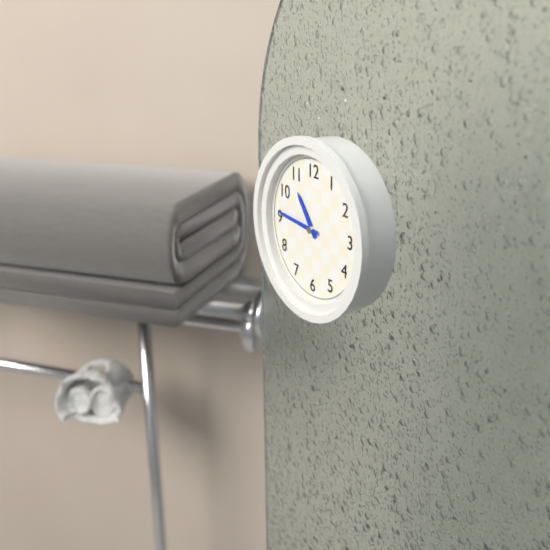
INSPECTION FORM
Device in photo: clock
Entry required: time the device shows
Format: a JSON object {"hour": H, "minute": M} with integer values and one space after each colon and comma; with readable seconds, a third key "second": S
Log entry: {"hour": 10, "minute": 46}
